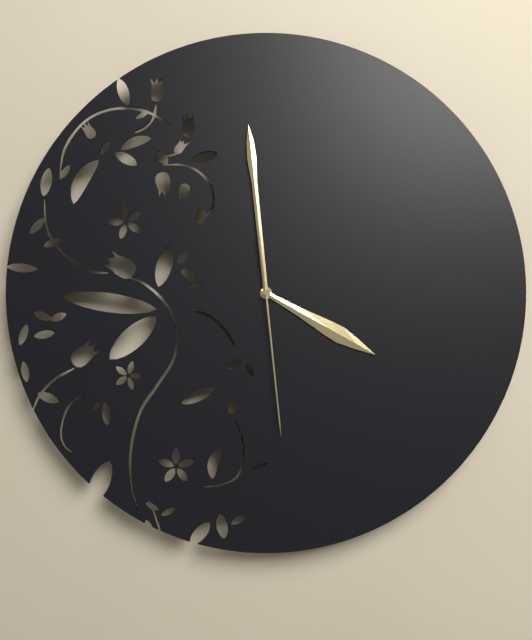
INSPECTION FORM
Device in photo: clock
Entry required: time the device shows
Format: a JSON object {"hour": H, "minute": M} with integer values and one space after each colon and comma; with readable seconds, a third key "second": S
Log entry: {"hour": 3, "minute": 59, "second": 29}
